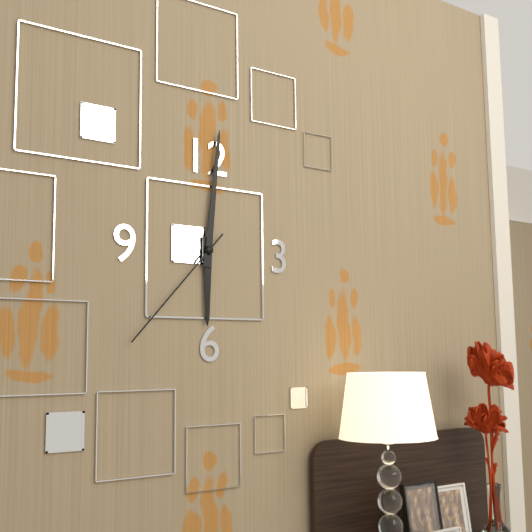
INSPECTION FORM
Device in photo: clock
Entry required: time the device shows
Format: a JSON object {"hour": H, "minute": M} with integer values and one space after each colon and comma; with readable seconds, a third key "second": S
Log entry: {"hour": 6, "minute": 1, "second": 37}
